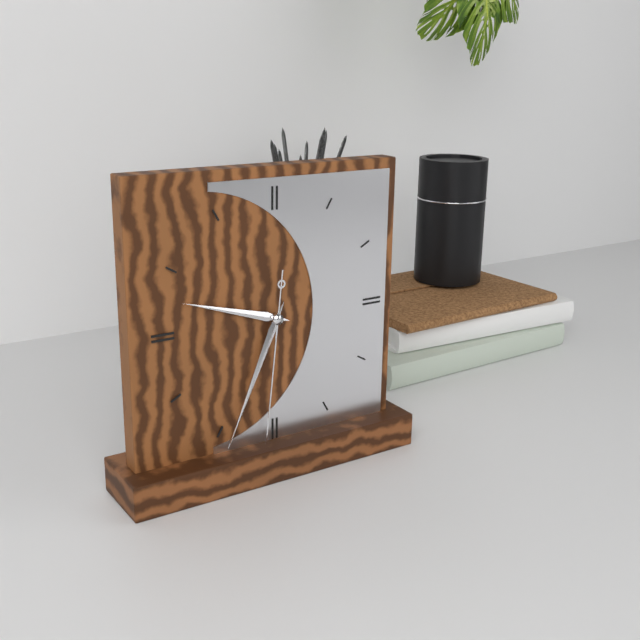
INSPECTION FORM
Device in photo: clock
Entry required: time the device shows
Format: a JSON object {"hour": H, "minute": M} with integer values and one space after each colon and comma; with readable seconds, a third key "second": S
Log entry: {"hour": 9, "minute": 34, "second": 31}
